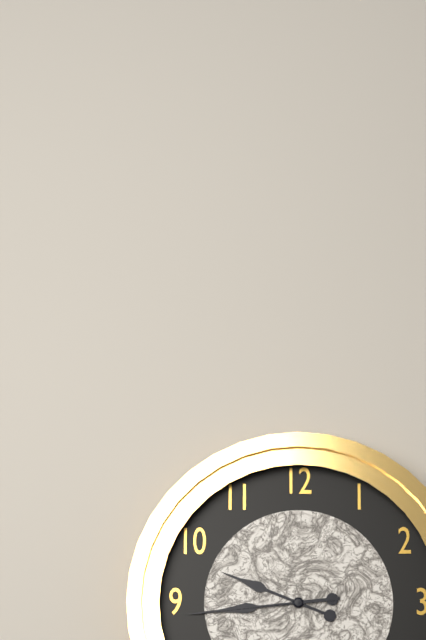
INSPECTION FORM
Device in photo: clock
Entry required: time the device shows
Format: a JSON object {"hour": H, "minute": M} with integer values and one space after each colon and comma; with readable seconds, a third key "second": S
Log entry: {"hour": 9, "minute": 44, "second": 44}
